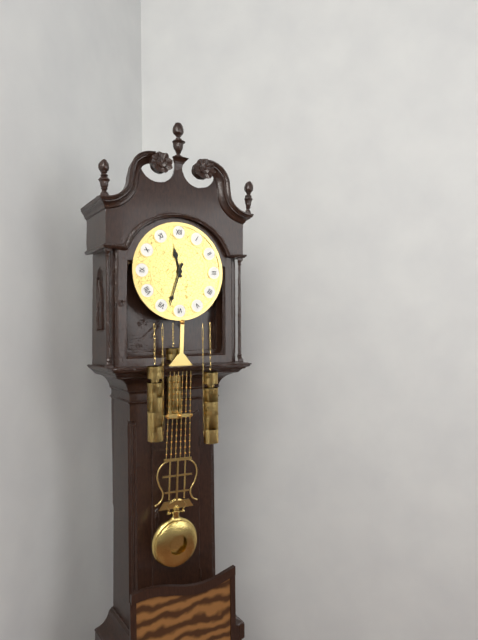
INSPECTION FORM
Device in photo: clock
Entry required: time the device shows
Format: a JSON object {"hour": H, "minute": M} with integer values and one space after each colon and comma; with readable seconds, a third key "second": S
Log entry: {"hour": 11, "minute": 33}
